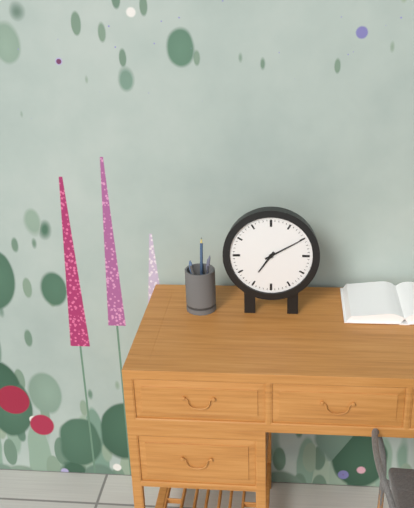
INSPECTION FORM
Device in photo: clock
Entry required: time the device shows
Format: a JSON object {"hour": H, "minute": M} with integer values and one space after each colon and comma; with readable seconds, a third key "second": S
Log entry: {"hour": 7, "minute": 10}
